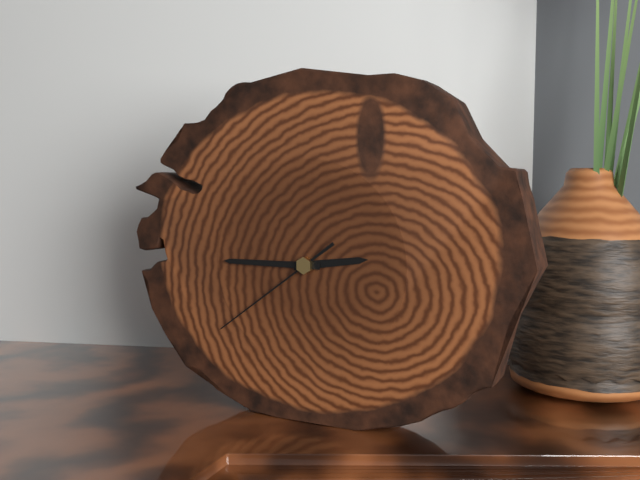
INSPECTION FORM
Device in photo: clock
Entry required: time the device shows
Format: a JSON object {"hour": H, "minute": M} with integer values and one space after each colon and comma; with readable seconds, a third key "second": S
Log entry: {"hour": 2, "minute": 45, "second": 39}
